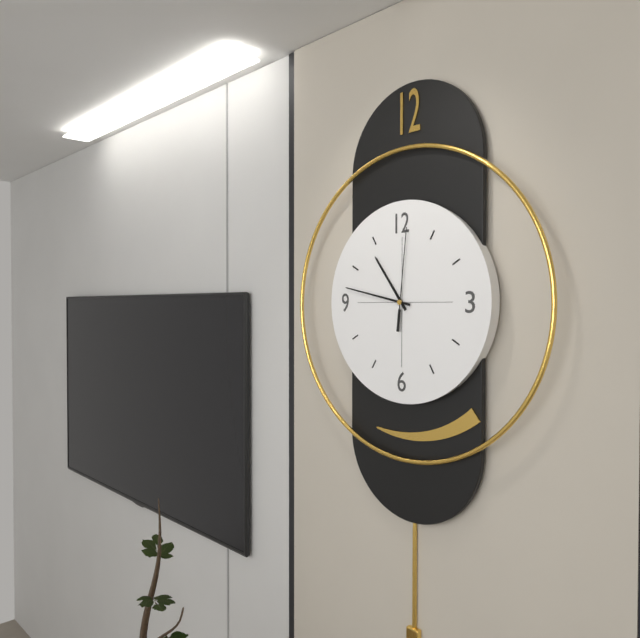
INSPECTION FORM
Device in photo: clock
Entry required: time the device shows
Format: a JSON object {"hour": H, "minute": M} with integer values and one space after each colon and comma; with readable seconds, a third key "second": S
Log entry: {"hour": 10, "minute": 47, "second": 1}
